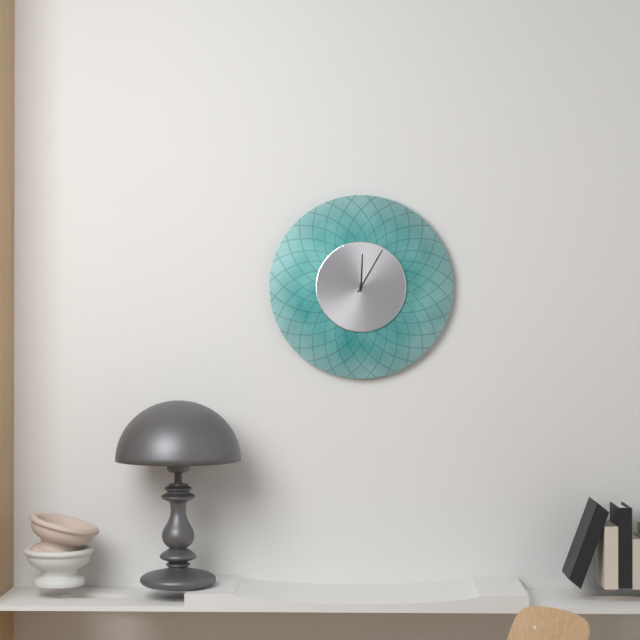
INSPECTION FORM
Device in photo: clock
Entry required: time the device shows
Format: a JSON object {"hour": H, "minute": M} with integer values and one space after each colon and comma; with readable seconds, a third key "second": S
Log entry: {"hour": 12, "minute": 5}
